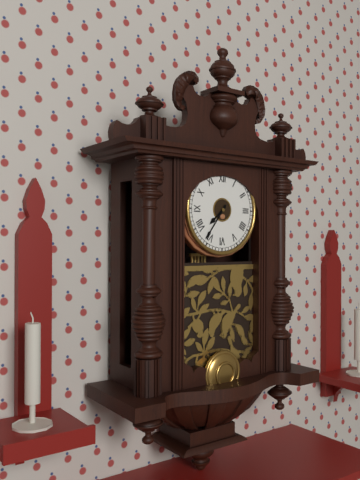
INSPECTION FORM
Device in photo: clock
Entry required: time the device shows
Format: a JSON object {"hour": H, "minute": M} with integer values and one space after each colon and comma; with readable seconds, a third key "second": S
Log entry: {"hour": 7, "minute": 36}
